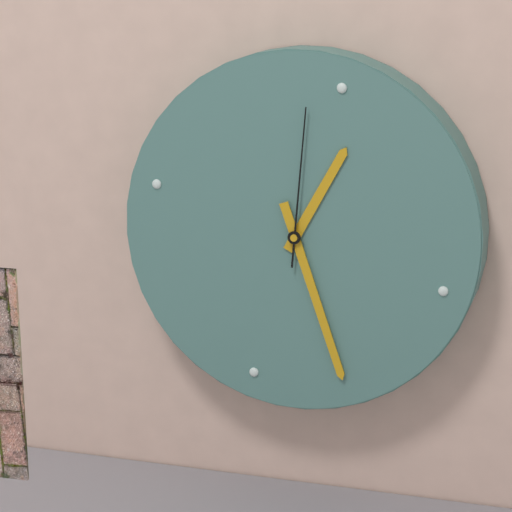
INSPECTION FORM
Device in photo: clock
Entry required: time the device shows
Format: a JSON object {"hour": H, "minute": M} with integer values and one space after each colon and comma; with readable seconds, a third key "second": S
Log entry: {"hour": 12, "minute": 24, "second": 58}
